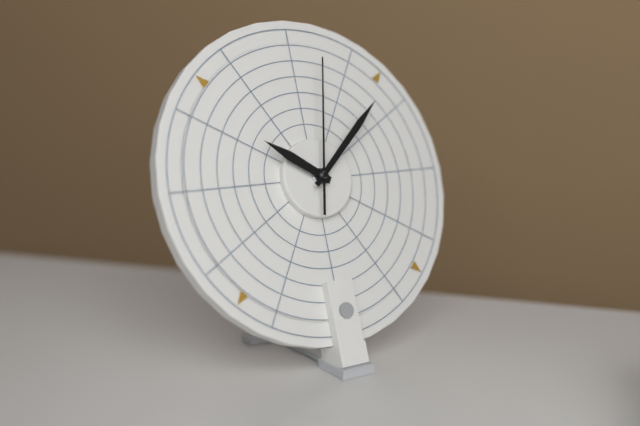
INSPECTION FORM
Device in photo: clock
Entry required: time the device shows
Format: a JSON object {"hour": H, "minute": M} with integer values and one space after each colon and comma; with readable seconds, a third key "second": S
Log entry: {"hour": 10, "minute": 8, "second": 2}
